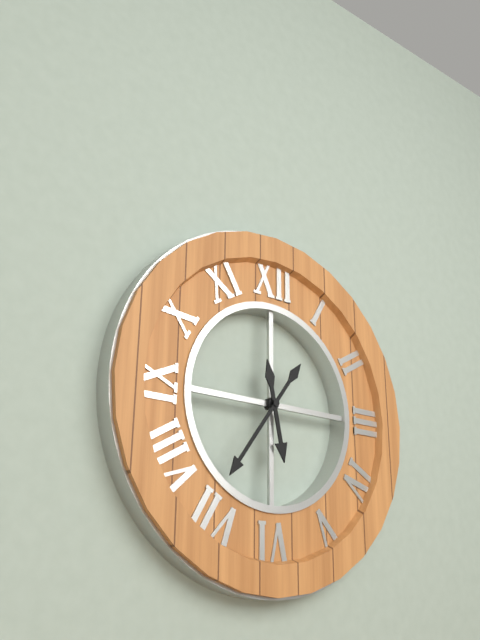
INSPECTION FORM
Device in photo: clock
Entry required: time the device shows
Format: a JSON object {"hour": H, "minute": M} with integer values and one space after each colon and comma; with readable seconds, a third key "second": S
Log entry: {"hour": 5, "minute": 36}
